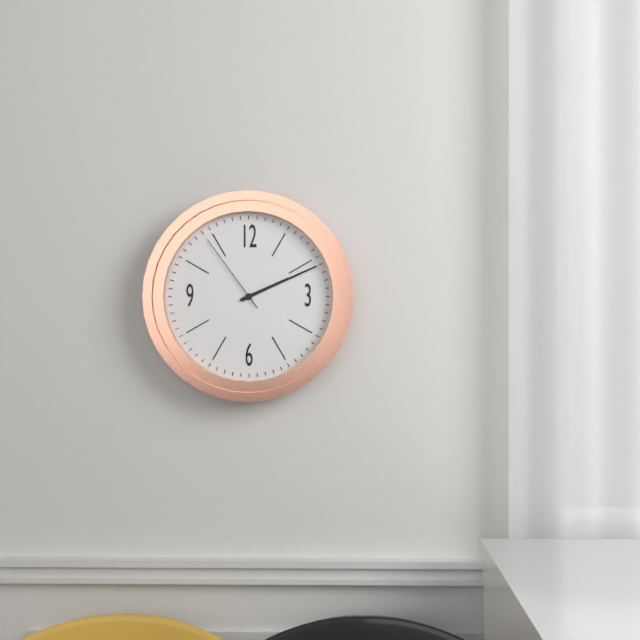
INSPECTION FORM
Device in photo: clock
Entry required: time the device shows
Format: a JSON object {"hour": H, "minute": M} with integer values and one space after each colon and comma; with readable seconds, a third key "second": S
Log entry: {"hour": 2, "minute": 11, "second": 54}
